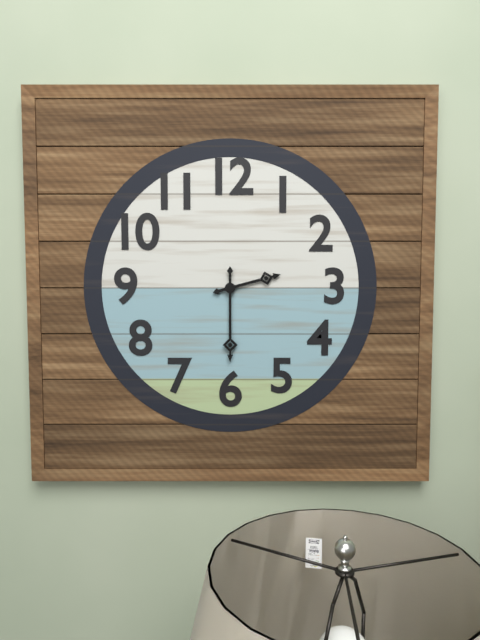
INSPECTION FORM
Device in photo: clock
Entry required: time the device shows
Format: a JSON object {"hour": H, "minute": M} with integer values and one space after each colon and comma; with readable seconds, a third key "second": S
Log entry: {"hour": 2, "minute": 30}
